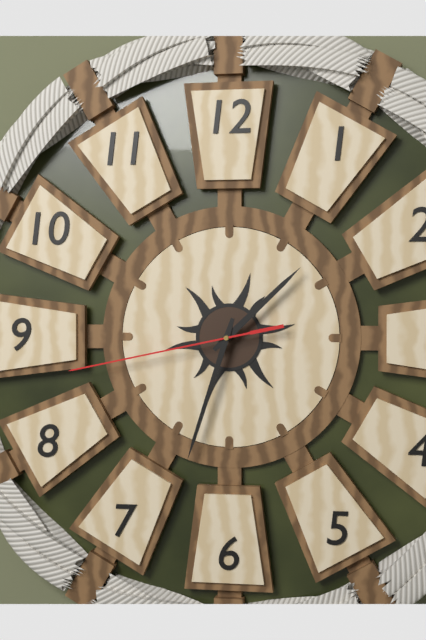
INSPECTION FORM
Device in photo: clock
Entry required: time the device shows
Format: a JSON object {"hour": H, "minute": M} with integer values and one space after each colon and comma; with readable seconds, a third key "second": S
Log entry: {"hour": 1, "minute": 33, "second": 43}
